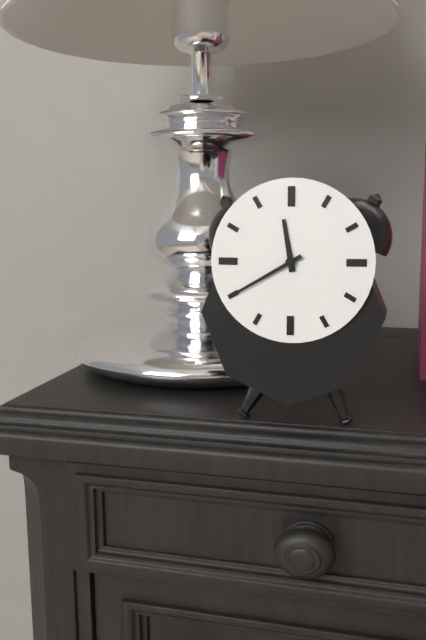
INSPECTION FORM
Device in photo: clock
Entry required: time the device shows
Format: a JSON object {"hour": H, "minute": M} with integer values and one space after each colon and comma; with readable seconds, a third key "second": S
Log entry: {"hour": 11, "minute": 40}
